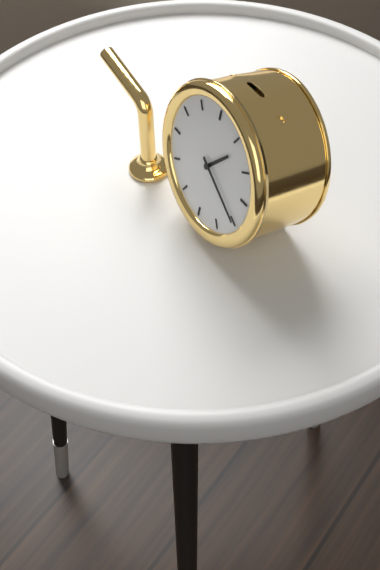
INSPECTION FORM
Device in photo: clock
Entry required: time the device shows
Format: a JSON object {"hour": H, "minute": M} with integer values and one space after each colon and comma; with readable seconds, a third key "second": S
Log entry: {"hour": 1, "minute": 20}
